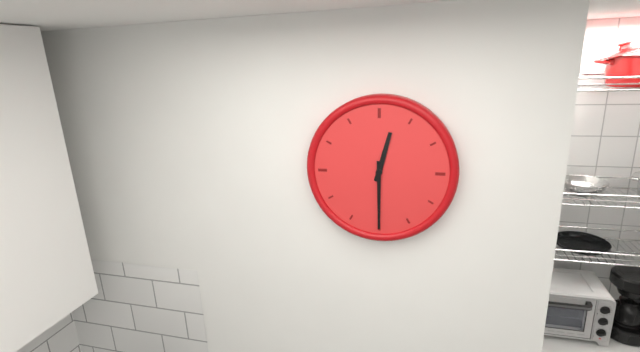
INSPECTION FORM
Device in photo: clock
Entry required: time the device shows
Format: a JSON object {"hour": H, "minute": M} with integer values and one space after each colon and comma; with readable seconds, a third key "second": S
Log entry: {"hour": 12, "minute": 30}
